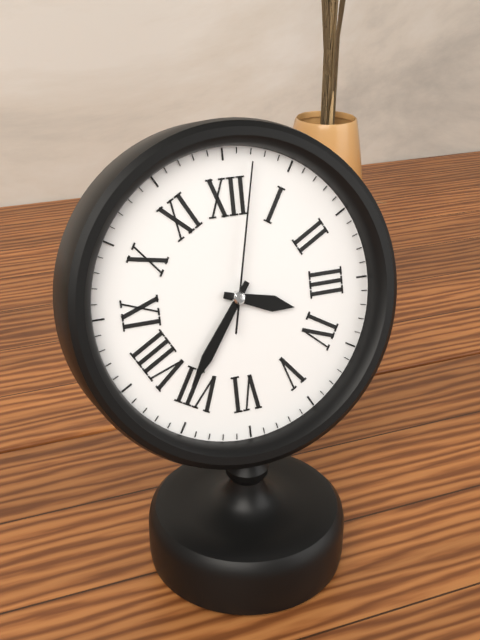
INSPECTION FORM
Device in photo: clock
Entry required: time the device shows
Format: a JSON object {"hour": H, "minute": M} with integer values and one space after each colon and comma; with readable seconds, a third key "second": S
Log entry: {"hour": 3, "minute": 36, "second": 2}
